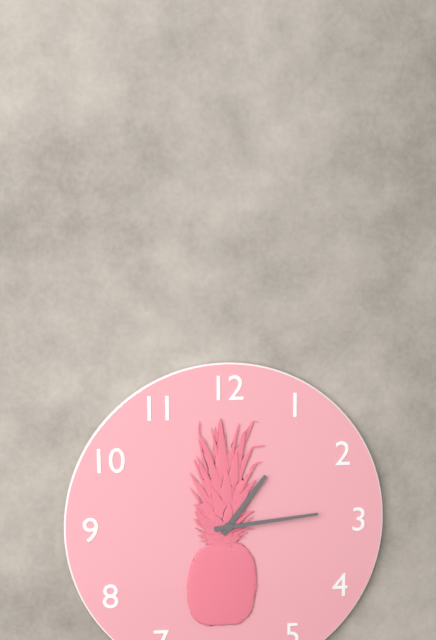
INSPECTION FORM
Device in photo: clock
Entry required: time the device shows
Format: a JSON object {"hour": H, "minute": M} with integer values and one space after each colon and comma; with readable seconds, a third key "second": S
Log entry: {"hour": 1, "minute": 14}
